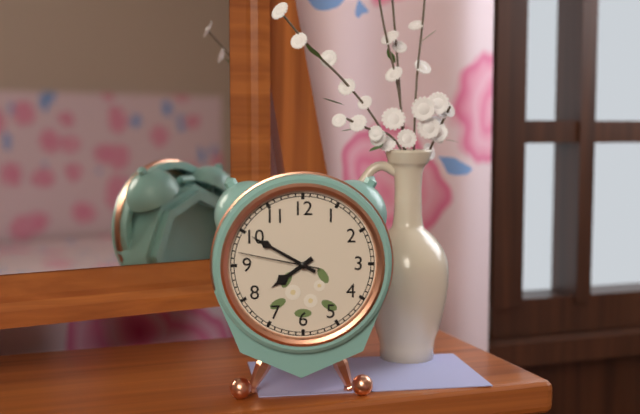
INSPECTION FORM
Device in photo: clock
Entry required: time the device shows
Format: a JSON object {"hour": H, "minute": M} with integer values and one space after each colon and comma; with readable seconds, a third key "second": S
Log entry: {"hour": 7, "minute": 50, "second": 47}
